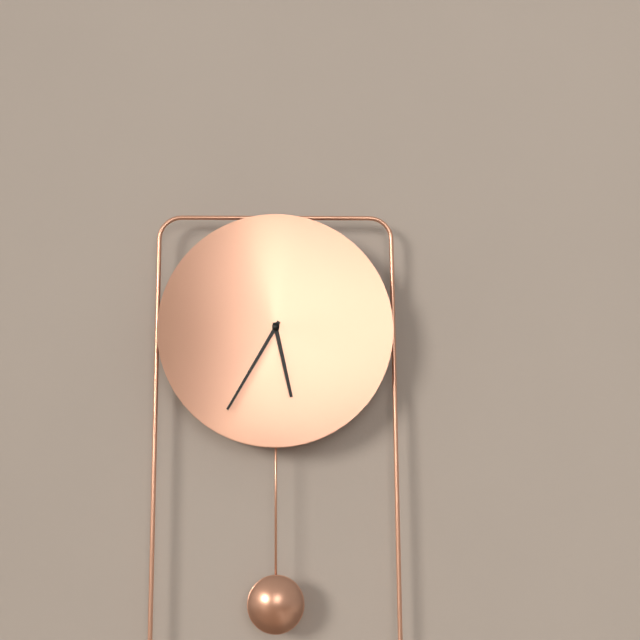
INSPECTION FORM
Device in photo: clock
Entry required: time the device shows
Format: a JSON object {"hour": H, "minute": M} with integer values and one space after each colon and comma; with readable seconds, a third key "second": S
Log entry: {"hour": 5, "minute": 35}
